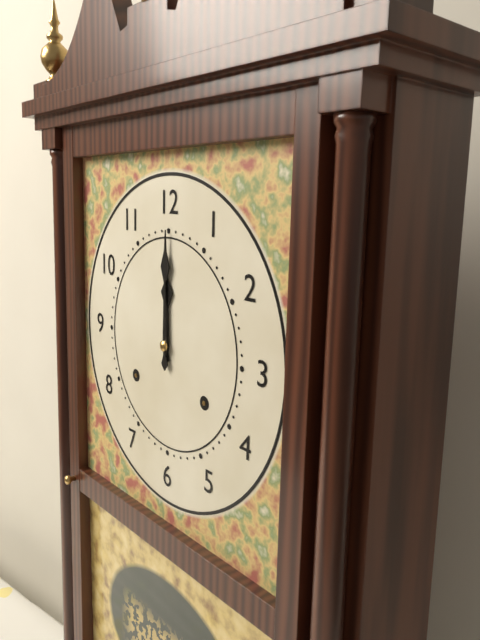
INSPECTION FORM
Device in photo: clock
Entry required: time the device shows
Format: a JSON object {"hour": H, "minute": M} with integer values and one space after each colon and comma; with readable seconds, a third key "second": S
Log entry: {"hour": 12, "minute": 0}
